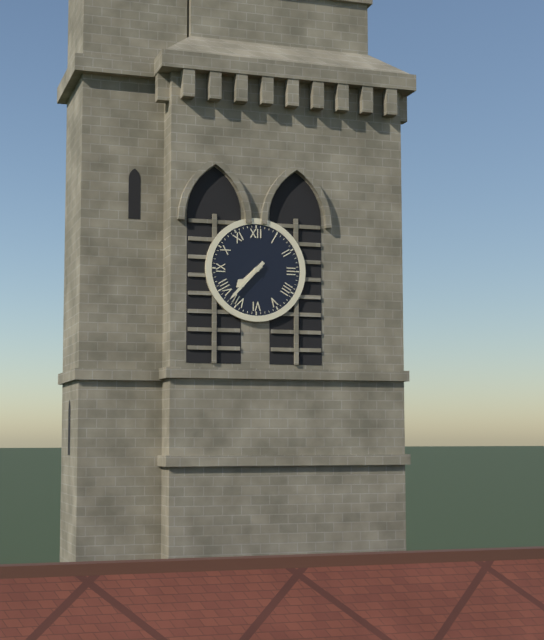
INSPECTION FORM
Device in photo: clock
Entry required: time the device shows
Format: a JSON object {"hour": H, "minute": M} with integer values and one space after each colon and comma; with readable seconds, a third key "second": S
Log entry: {"hour": 7, "minute": 37}
